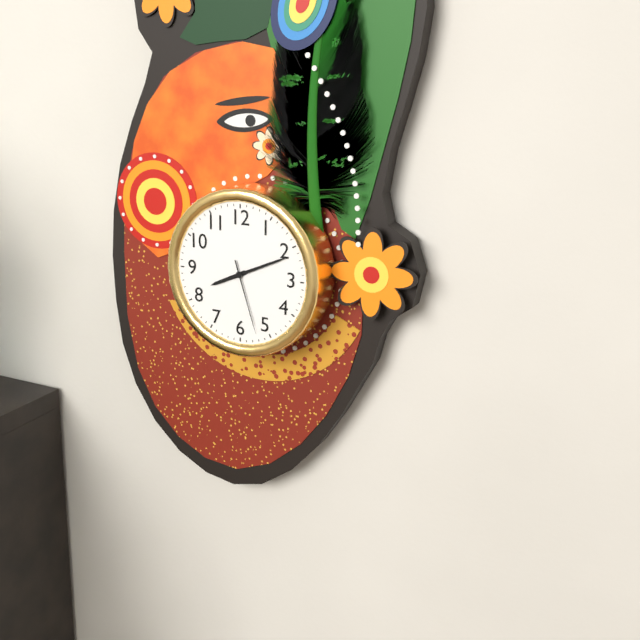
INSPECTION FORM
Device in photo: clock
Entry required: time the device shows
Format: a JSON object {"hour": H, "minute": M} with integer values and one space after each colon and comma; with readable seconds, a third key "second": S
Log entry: {"hour": 8, "minute": 11, "second": 27}
